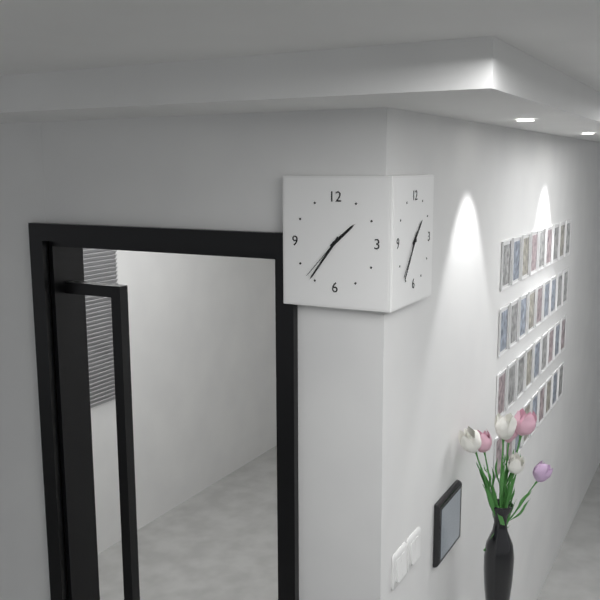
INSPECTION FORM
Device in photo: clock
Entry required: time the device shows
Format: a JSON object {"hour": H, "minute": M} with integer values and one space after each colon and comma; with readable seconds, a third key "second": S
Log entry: {"hour": 1, "minute": 36, "second": 37}
